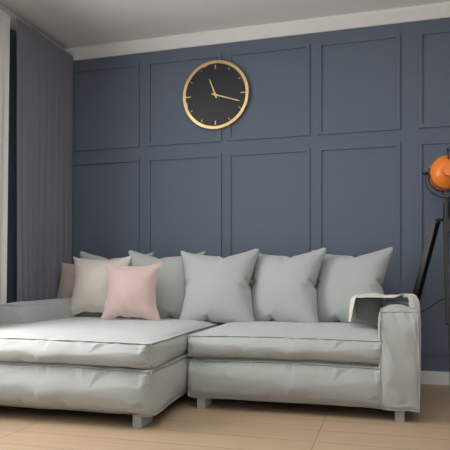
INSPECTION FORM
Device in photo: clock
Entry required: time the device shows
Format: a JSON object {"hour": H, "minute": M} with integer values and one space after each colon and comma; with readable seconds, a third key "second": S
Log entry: {"hour": 11, "minute": 18}
